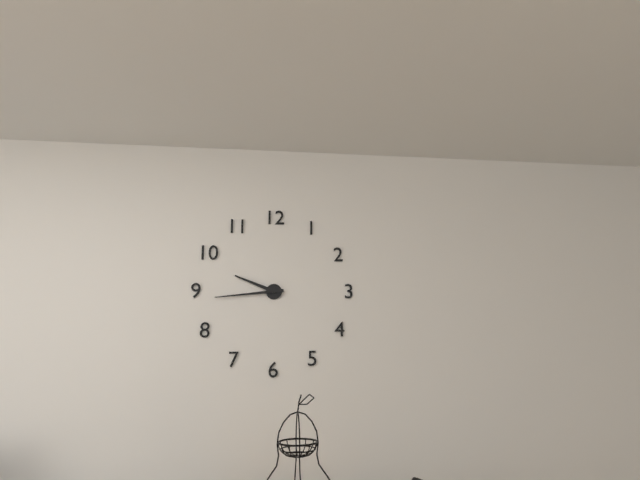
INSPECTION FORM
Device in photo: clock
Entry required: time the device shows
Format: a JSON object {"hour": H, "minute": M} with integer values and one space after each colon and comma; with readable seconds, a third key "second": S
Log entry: {"hour": 9, "minute": 44}
